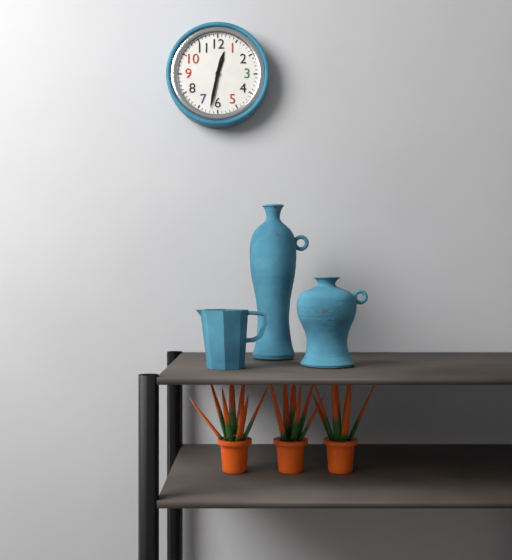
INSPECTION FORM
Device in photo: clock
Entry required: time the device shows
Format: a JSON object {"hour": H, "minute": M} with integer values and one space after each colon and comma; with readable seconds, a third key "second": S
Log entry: {"hour": 12, "minute": 32}
